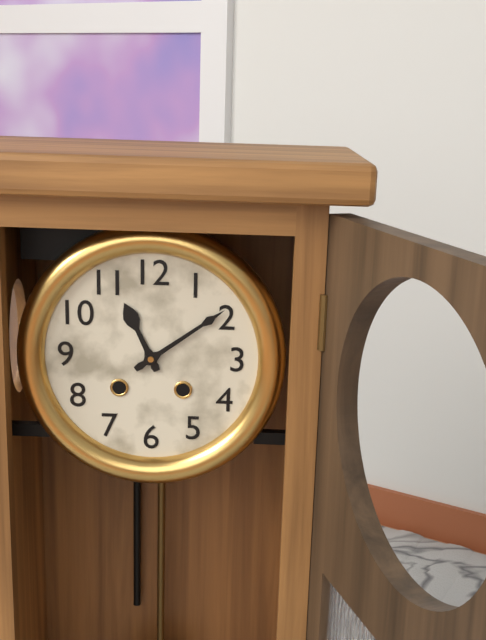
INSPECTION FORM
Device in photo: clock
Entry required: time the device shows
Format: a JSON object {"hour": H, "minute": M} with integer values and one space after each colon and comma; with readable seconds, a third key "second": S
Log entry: {"hour": 11, "minute": 9}
